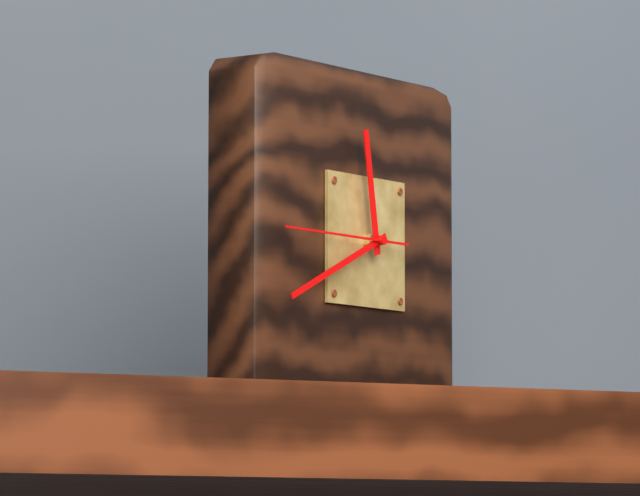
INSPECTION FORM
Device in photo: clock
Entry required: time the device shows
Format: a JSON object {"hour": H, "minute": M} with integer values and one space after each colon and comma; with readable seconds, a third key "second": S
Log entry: {"hour": 11, "minute": 41, "second": 45}
